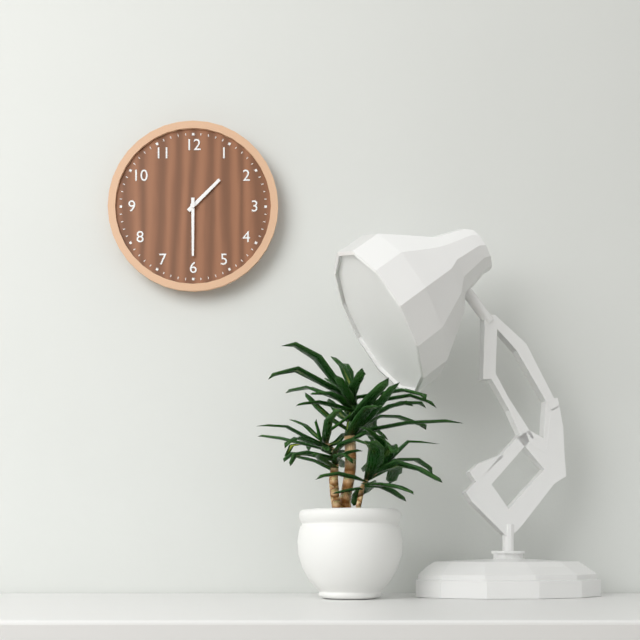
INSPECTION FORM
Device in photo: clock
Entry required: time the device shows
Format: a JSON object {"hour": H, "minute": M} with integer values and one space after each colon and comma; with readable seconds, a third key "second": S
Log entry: {"hour": 1, "minute": 30}
